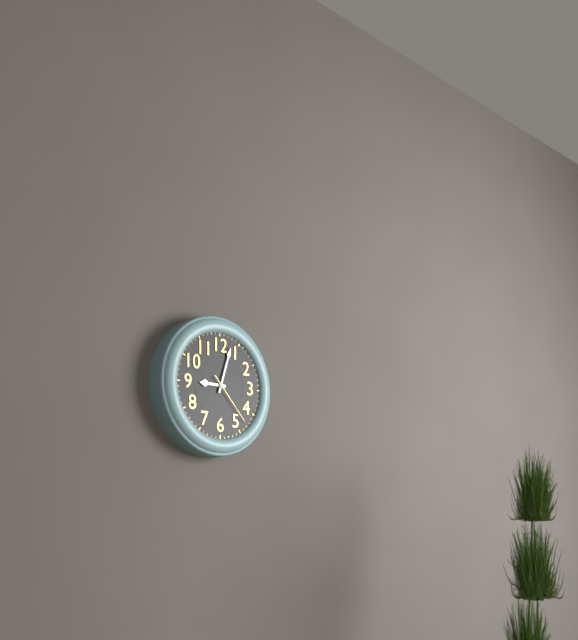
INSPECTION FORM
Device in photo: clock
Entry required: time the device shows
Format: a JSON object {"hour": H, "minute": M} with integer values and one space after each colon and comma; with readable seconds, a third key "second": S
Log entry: {"hour": 9, "minute": 3, "second": 23}
